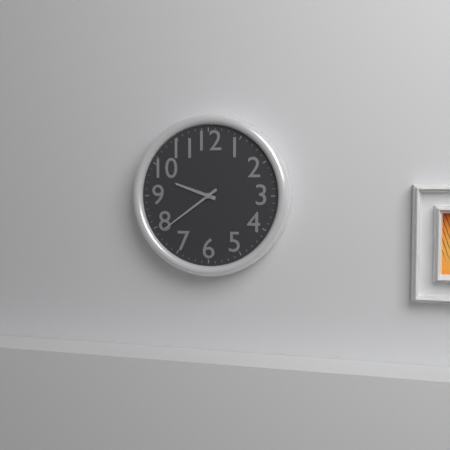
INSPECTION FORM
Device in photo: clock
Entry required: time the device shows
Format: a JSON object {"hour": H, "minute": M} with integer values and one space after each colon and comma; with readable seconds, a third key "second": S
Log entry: {"hour": 9, "minute": 39}
